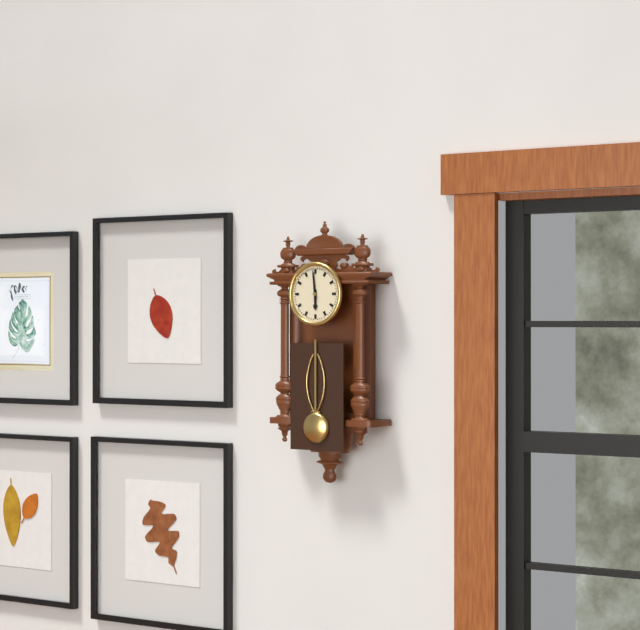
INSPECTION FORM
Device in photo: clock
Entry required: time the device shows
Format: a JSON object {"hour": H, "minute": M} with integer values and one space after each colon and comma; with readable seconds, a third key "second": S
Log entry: {"hour": 5, "minute": 59}
